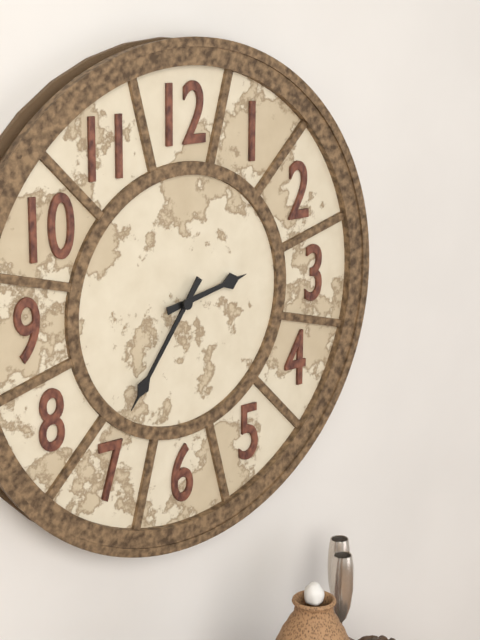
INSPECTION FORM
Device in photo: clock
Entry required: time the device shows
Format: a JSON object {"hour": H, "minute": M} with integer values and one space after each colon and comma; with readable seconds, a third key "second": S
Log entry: {"hour": 2, "minute": 36}
